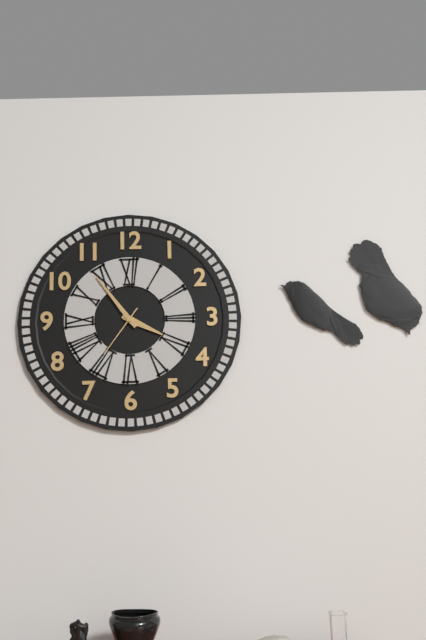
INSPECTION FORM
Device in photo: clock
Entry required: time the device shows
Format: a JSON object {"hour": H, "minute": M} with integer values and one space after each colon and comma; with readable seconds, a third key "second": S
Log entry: {"hour": 3, "minute": 54, "second": 36}
